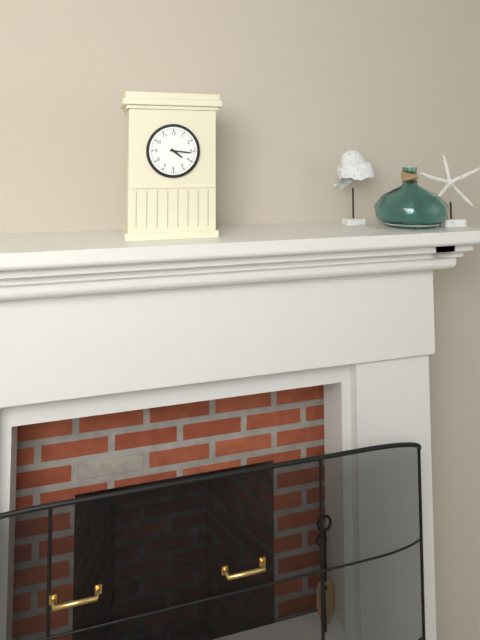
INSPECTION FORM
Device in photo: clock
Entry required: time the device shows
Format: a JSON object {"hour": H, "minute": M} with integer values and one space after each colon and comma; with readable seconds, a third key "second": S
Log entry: {"hour": 4, "minute": 16}
